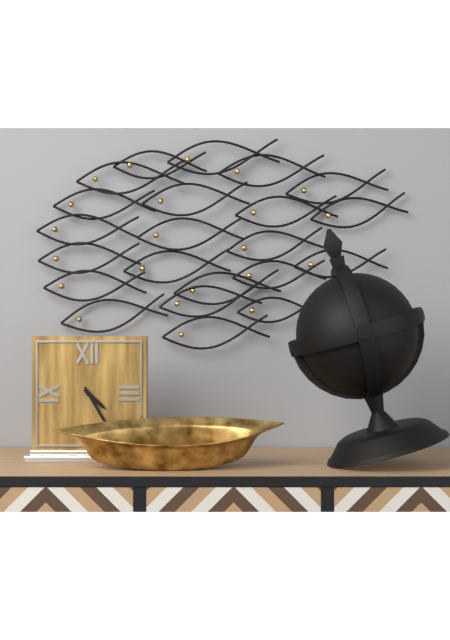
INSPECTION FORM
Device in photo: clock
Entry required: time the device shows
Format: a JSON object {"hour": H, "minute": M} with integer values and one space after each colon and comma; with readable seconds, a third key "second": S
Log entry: {"hour": 4, "minute": 25}
